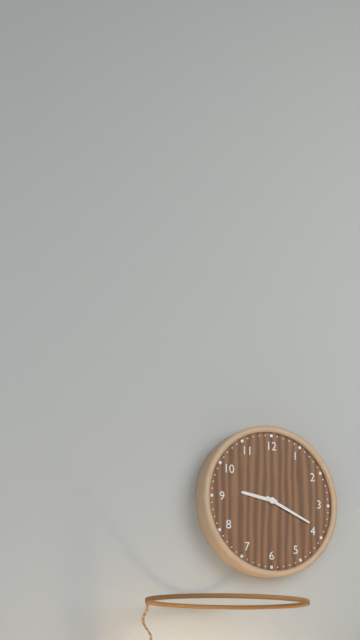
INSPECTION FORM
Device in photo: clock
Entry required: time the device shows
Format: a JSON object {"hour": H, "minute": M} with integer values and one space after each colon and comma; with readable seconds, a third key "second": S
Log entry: {"hour": 9, "minute": 19}
